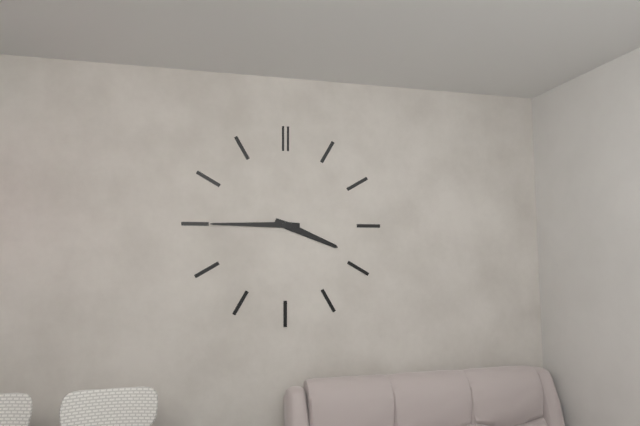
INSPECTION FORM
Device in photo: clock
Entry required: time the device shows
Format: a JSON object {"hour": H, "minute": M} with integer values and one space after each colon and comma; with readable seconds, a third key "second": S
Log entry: {"hour": 3, "minute": 45}
